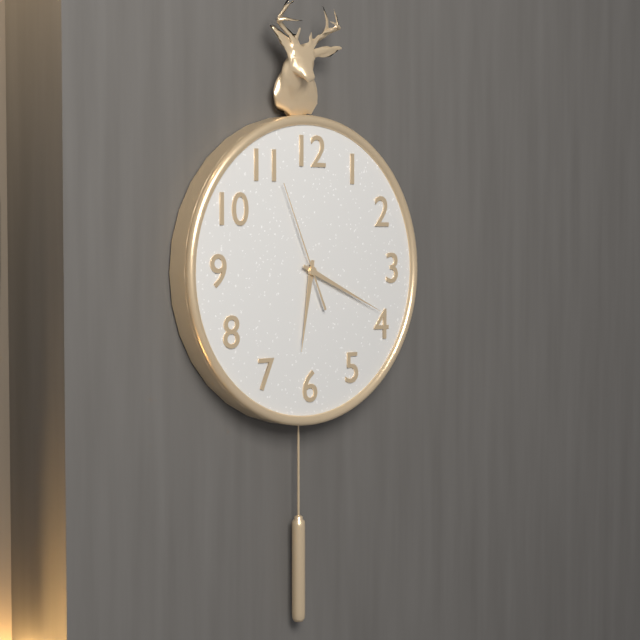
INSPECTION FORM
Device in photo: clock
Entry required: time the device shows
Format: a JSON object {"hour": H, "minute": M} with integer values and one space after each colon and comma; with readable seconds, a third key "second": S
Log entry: {"hour": 6, "minute": 19, "second": 56}
